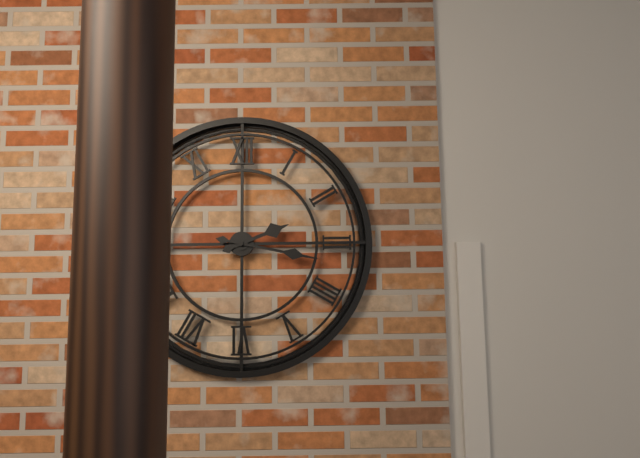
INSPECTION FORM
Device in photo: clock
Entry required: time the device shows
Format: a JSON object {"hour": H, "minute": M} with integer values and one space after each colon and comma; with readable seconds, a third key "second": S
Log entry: {"hour": 2, "minute": 17}
